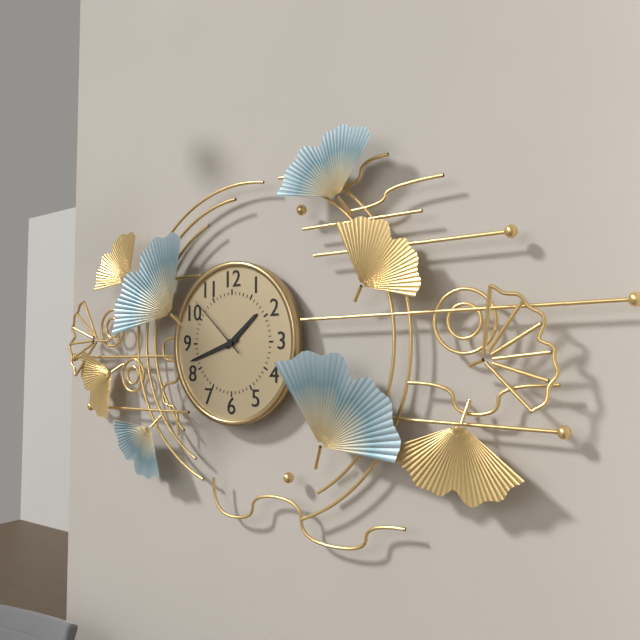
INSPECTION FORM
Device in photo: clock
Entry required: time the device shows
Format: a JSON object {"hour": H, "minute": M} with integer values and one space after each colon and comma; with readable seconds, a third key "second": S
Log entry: {"hour": 1, "minute": 42, "second": 52}
